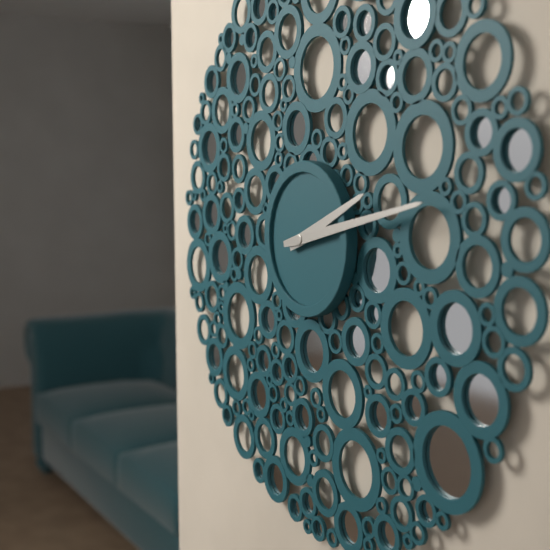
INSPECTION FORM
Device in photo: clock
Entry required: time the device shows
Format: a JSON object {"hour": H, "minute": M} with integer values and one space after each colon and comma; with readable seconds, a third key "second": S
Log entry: {"hour": 2, "minute": 13}
